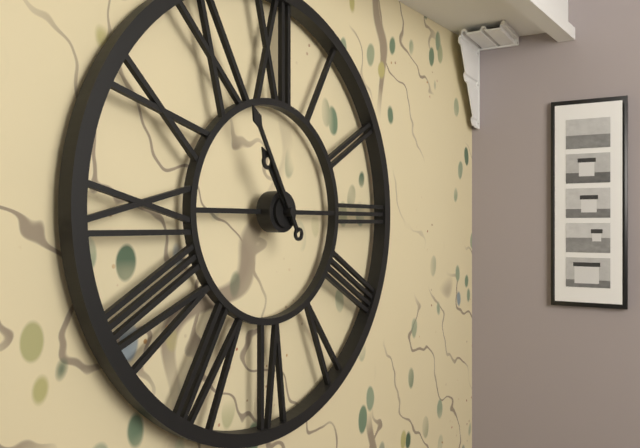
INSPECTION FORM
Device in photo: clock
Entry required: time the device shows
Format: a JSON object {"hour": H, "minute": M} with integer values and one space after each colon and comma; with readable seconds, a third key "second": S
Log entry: {"hour": 10, "minute": 55}
